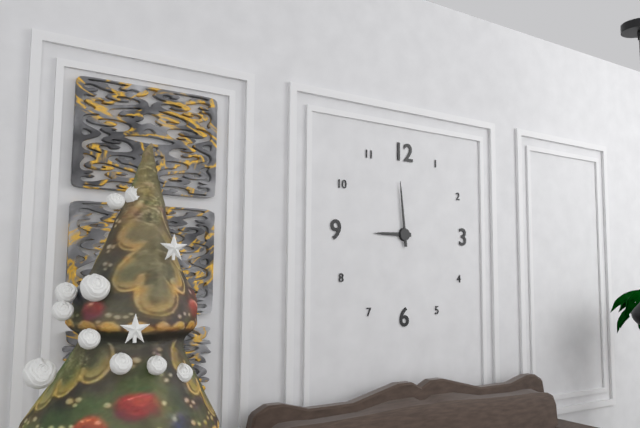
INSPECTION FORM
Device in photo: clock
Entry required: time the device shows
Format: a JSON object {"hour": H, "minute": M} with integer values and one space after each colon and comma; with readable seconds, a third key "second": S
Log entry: {"hour": 8, "minute": 59}
